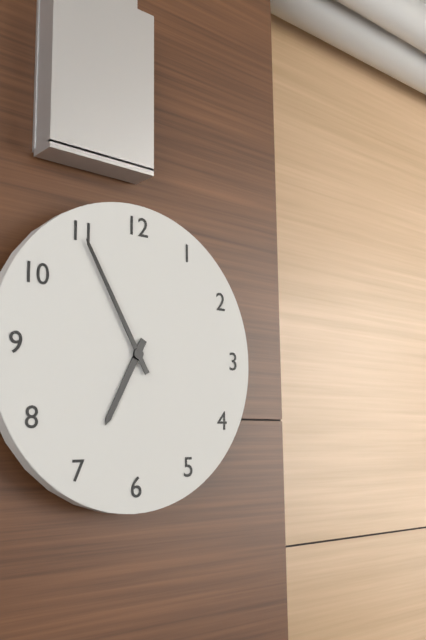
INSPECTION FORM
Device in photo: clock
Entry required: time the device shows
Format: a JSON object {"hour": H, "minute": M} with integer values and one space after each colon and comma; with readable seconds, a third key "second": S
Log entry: {"hour": 6, "minute": 55}
